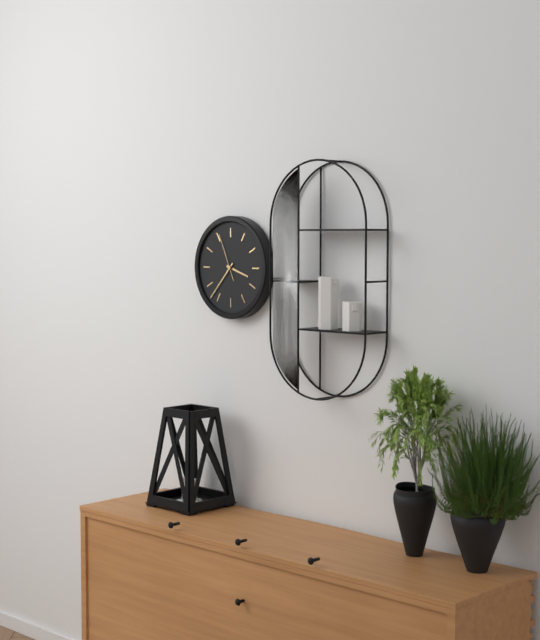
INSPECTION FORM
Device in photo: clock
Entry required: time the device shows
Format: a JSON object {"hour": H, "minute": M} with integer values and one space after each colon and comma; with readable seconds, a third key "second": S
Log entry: {"hour": 3, "minute": 37}
